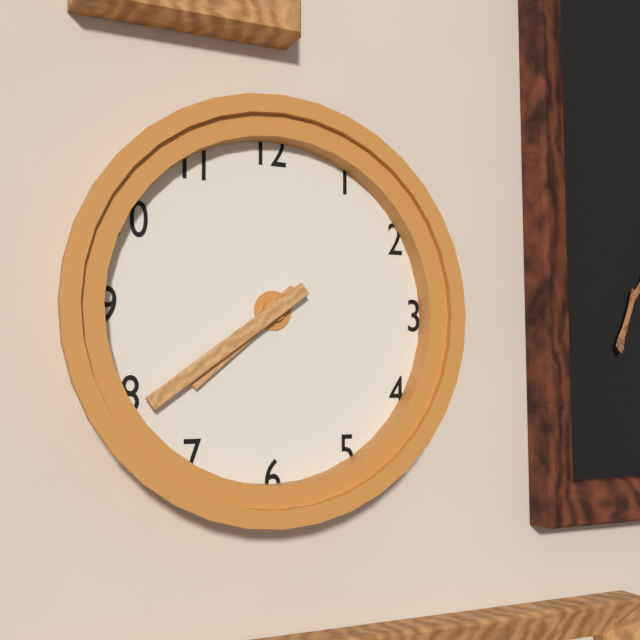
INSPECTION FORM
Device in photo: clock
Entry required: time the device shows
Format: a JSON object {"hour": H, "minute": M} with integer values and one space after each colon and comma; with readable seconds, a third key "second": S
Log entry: {"hour": 7, "minute": 39}
